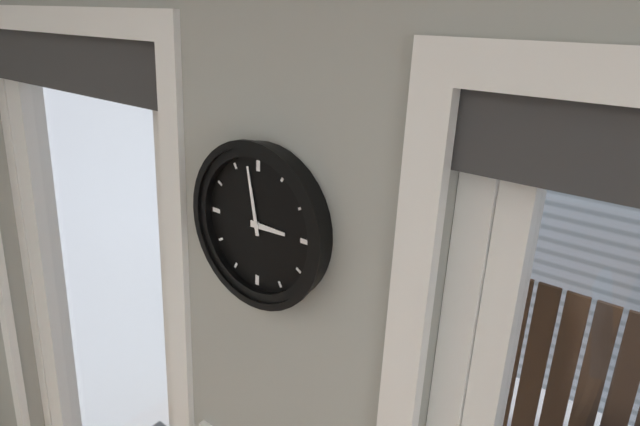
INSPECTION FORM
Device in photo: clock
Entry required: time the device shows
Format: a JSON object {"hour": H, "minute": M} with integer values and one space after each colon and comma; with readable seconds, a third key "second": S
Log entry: {"hour": 2, "minute": 58}
